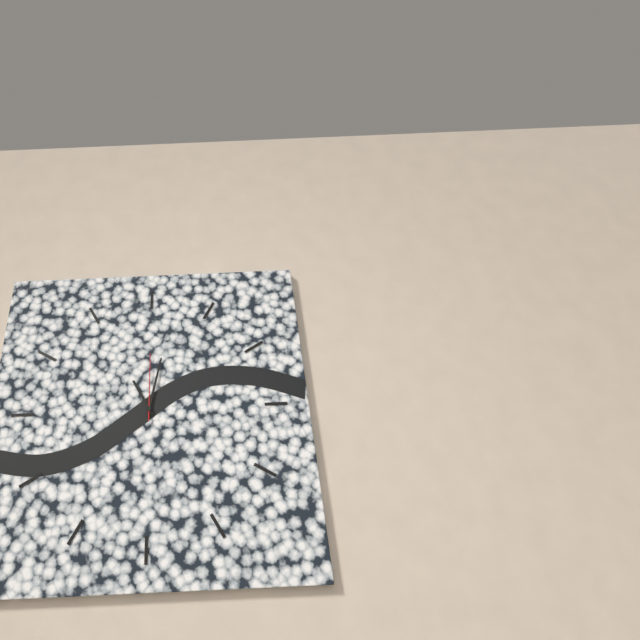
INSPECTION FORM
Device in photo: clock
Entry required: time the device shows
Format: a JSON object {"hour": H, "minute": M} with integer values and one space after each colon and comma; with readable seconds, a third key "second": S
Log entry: {"hour": 11, "minute": 2, "second": 0}
